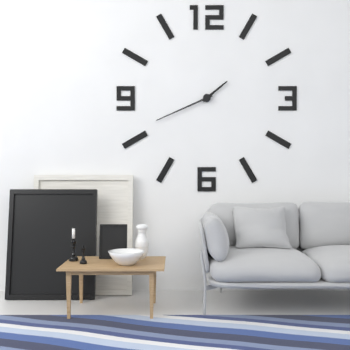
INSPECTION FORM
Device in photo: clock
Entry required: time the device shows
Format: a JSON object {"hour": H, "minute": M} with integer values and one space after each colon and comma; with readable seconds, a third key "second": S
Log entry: {"hour": 1, "minute": 41}
